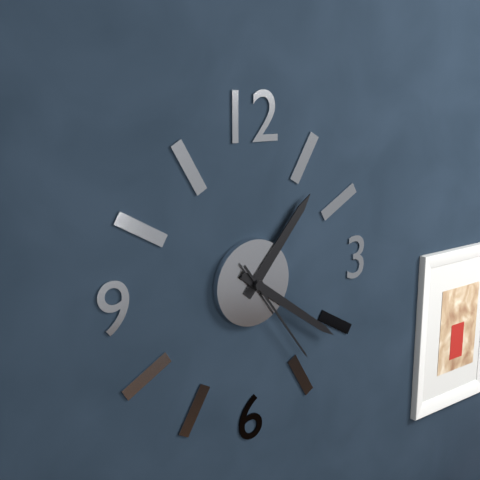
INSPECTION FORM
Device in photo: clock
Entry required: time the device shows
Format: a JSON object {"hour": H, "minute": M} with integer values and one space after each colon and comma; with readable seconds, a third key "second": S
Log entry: {"hour": 1, "minute": 21, "second": 24}
